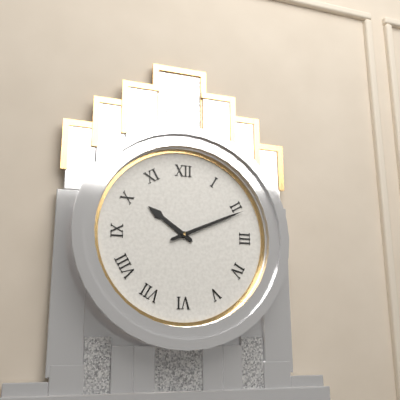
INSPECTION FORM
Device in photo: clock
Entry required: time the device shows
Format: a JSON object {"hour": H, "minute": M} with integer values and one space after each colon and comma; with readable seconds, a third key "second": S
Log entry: {"hour": 10, "minute": 11}
